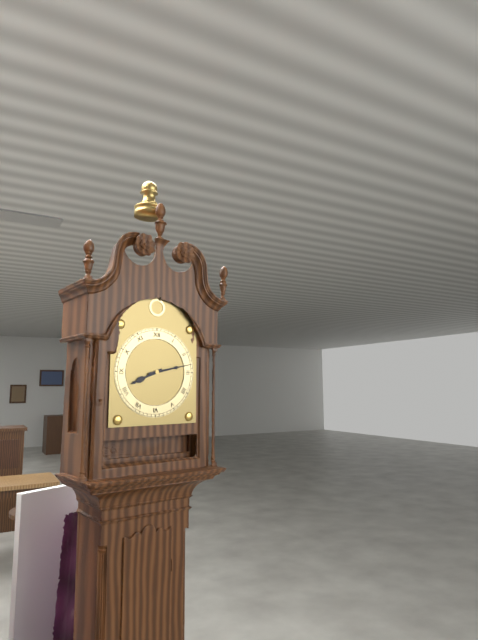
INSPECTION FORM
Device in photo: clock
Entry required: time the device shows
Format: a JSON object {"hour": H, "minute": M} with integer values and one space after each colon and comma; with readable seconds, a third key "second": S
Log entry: {"hour": 8, "minute": 13}
